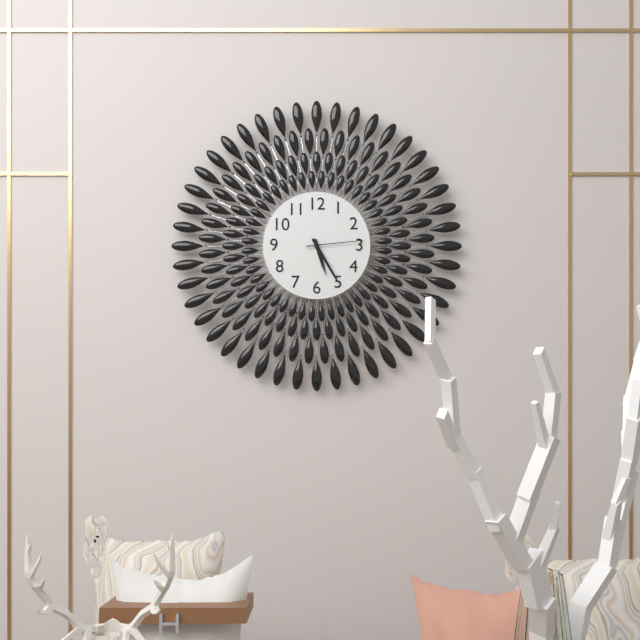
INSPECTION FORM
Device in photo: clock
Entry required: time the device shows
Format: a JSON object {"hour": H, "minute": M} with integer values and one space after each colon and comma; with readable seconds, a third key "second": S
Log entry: {"hour": 5, "minute": 25, "second": 14}
